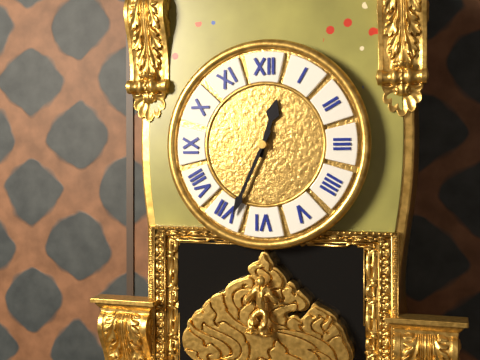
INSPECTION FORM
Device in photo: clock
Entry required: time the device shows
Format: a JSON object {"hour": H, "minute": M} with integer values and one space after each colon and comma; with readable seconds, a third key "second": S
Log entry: {"hour": 12, "minute": 34}
